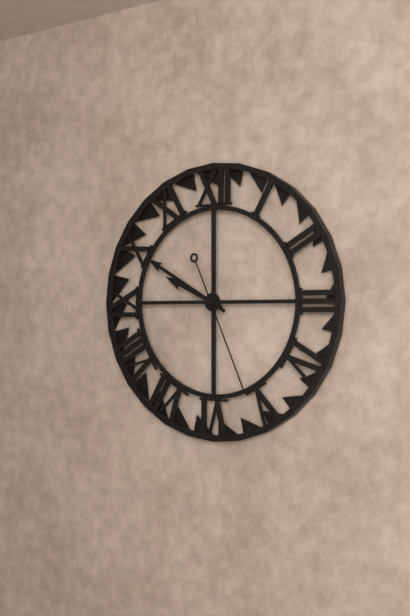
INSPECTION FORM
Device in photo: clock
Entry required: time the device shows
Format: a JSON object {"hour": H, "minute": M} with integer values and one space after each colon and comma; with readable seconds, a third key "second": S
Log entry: {"hour": 9, "minute": 50, "second": 26}
